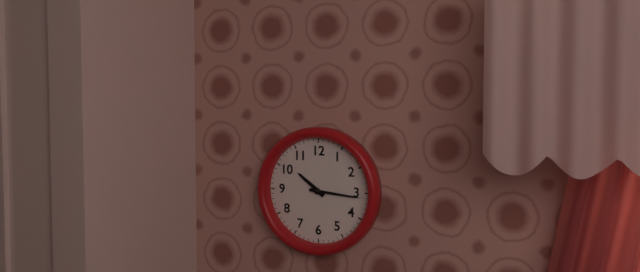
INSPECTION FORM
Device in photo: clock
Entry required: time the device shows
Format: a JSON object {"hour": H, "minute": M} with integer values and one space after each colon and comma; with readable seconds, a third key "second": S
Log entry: {"hour": 10, "minute": 16}
